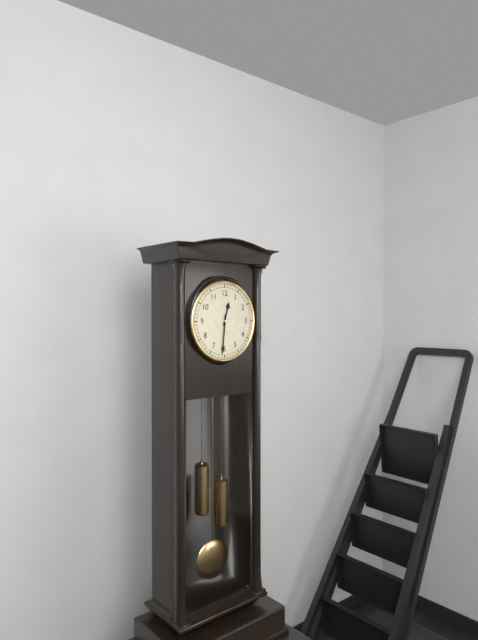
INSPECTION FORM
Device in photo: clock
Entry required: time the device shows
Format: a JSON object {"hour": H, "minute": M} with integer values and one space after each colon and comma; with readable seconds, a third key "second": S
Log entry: {"hour": 12, "minute": 31}
